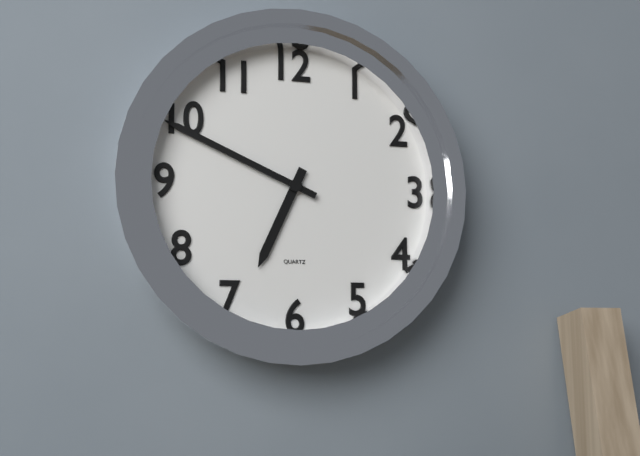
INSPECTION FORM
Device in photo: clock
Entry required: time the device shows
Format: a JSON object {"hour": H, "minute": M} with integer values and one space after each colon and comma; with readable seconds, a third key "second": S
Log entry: {"hour": 6, "minute": 49}
